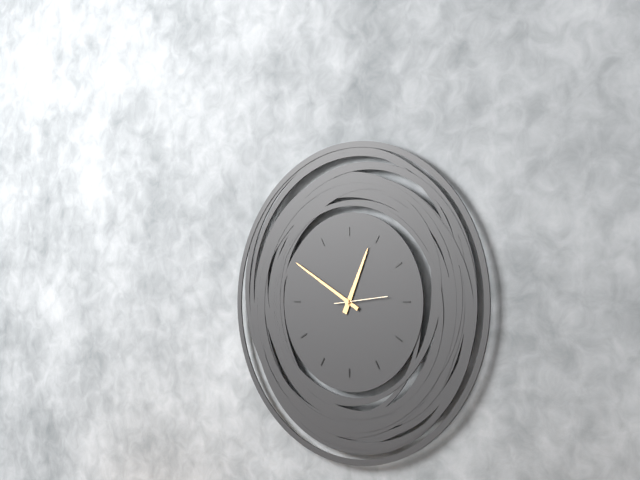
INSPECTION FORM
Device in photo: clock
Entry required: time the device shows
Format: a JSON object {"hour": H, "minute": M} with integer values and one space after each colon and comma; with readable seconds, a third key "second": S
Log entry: {"hour": 12, "minute": 50}
